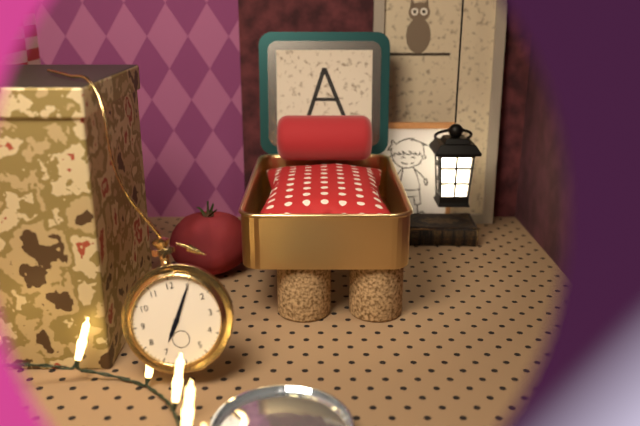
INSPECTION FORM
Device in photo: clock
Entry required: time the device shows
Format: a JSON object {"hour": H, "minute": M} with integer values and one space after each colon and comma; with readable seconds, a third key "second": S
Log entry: {"hour": 7, "minute": 5}
